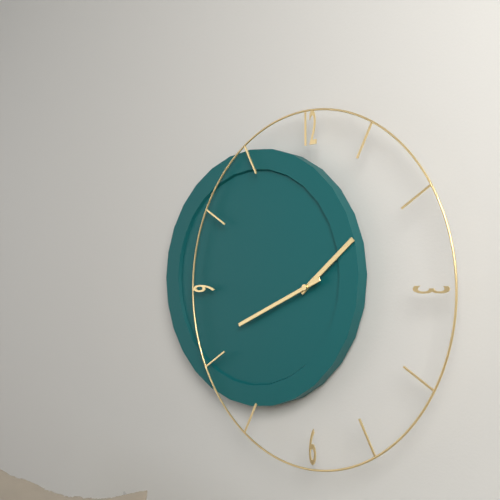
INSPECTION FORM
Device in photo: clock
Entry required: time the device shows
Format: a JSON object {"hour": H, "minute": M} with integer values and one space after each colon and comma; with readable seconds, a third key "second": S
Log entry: {"hour": 1, "minute": 41}
